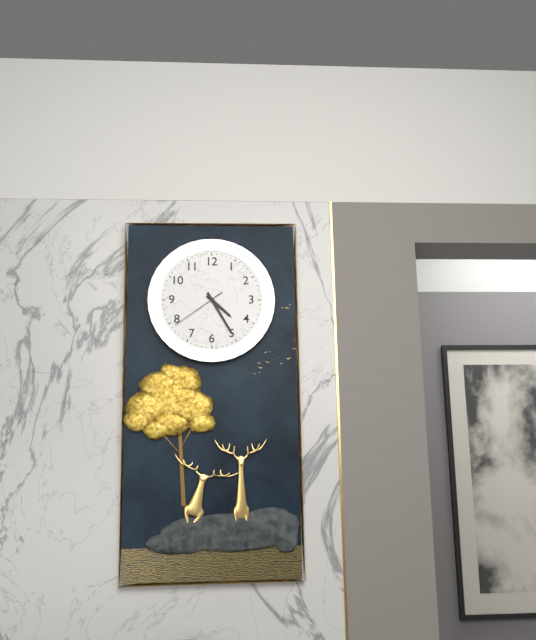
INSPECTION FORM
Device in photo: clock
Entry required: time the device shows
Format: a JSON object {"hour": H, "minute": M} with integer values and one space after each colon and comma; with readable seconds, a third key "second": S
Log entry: {"hour": 4, "minute": 25, "second": 39}
